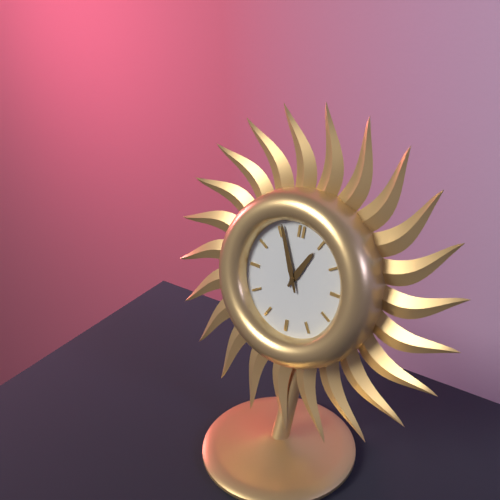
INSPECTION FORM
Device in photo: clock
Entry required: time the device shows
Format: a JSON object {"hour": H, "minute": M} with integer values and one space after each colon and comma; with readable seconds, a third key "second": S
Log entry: {"hour": 12, "minute": 56}
